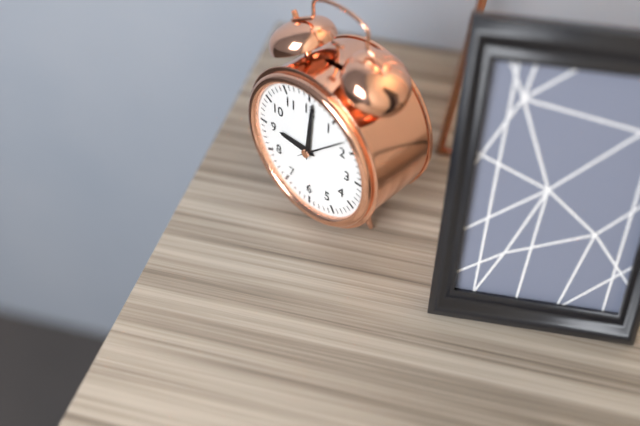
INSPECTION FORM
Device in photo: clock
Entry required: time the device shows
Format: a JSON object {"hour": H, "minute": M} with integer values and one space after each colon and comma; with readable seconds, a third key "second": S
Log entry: {"hour": 9, "minute": 1, "second": 8}
